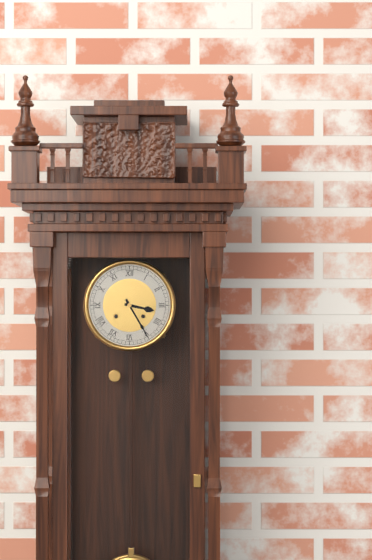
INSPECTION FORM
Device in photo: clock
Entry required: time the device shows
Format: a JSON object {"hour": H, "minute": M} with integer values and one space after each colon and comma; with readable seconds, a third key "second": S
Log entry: {"hour": 3, "minute": 25}
